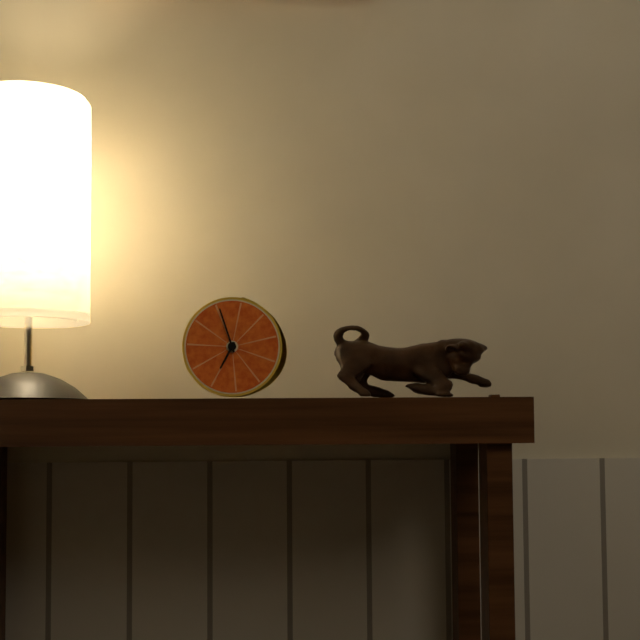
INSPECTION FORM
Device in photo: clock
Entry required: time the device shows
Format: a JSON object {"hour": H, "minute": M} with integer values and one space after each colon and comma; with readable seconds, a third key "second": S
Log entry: {"hour": 6, "minute": 57}
